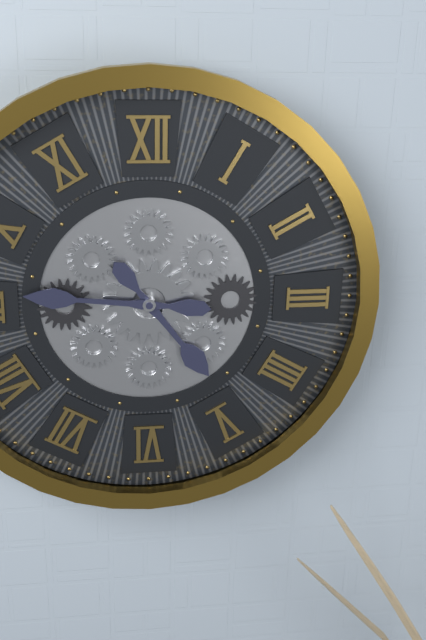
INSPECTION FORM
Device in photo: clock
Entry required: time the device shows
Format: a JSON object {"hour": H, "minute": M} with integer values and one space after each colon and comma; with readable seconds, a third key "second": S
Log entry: {"hour": 4, "minute": 46}
